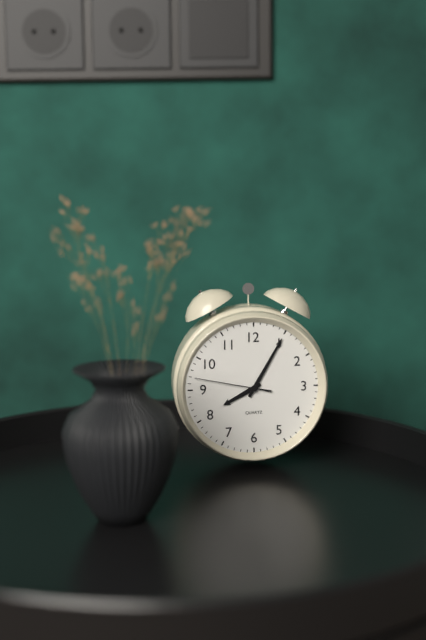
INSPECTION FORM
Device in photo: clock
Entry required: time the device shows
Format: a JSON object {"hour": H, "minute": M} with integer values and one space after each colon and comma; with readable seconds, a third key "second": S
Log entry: {"hour": 8, "minute": 5, "second": 47}
